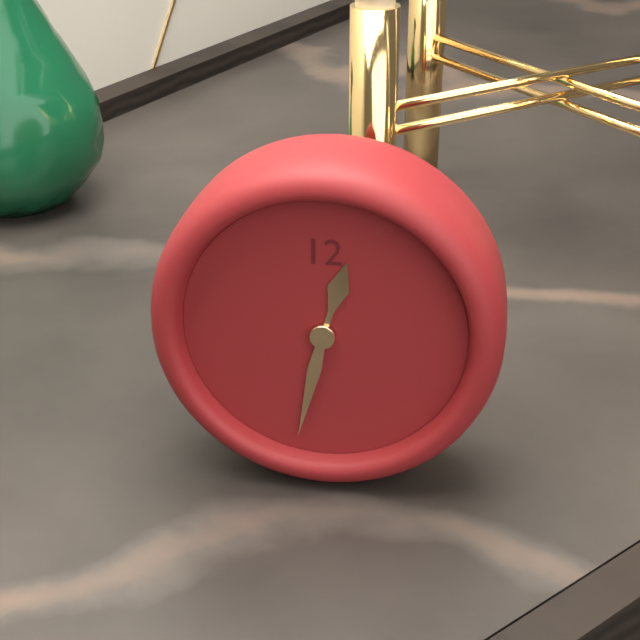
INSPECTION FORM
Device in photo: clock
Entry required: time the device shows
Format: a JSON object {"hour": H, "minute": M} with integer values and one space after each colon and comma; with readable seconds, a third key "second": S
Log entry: {"hour": 12, "minute": 32}
